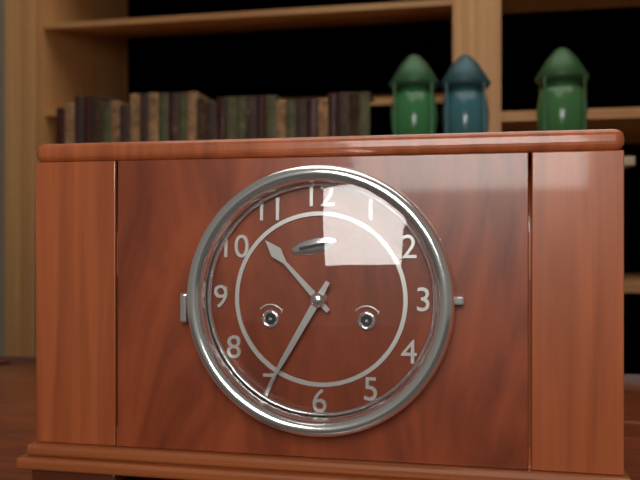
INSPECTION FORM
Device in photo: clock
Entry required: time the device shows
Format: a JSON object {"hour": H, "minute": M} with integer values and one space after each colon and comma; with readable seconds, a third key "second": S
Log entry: {"hour": 10, "minute": 35}
